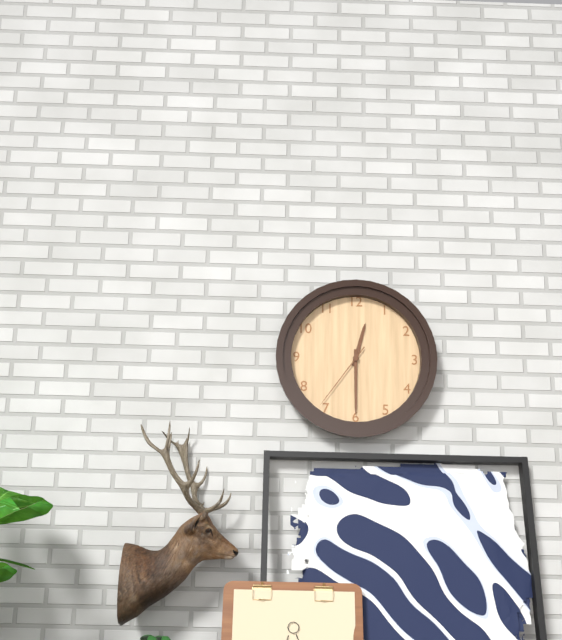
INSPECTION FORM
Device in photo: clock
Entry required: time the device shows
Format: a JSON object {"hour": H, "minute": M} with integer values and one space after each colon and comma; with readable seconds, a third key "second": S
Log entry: {"hour": 12, "minute": 30, "second": 36}
